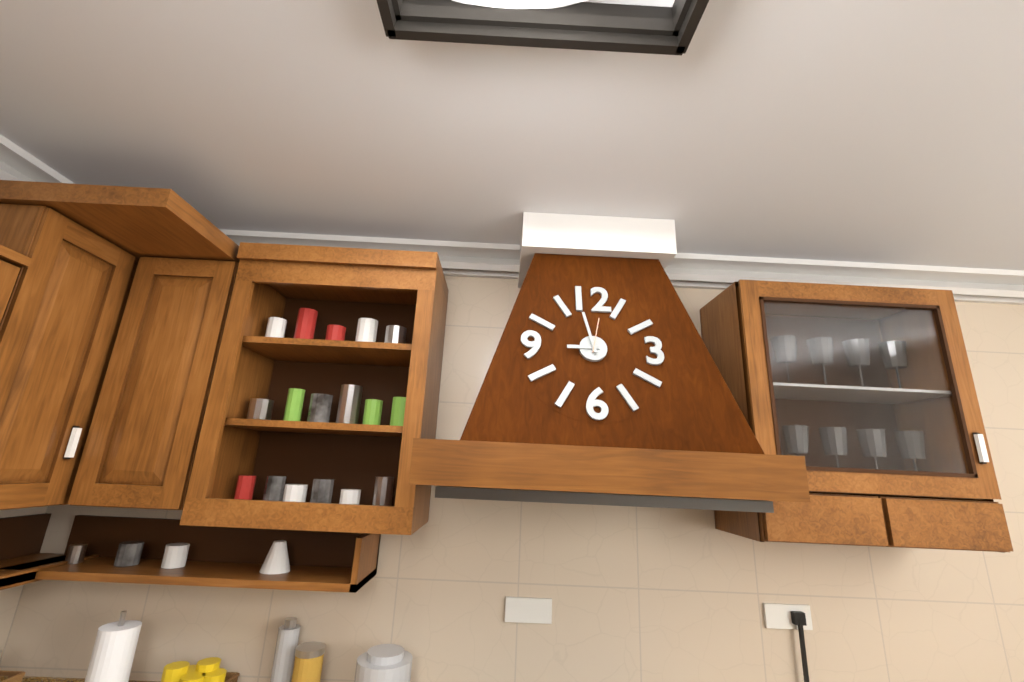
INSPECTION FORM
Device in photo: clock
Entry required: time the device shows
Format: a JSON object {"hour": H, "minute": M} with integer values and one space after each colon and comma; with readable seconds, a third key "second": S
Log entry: {"hour": 8, "minute": 58}
